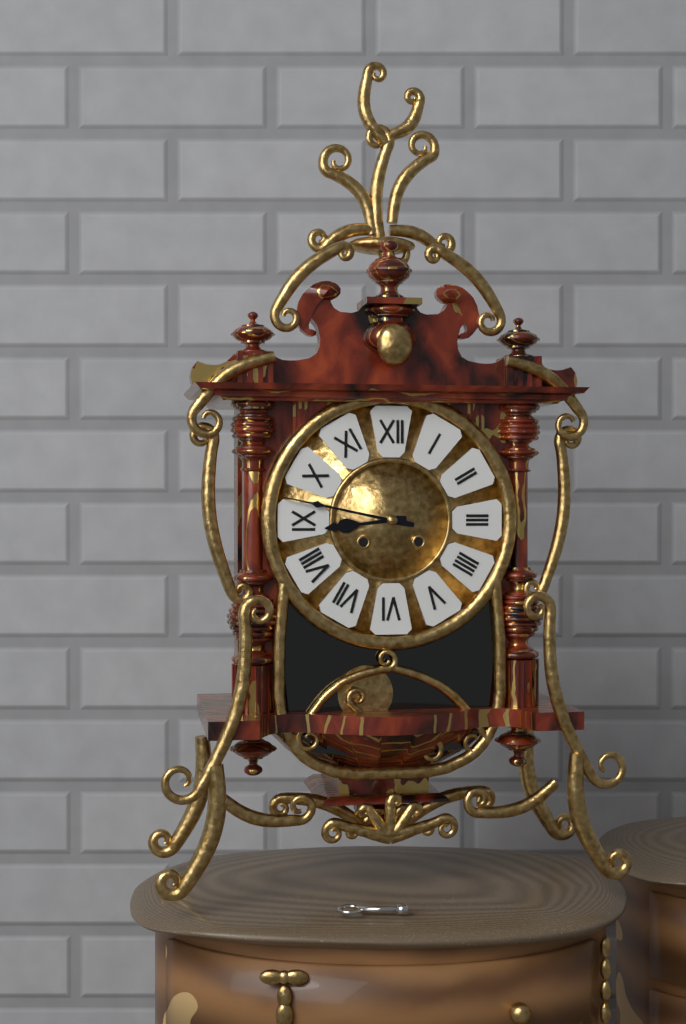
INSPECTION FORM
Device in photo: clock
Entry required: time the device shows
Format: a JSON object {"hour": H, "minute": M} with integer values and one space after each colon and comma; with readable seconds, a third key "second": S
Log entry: {"hour": 8, "minute": 47}
